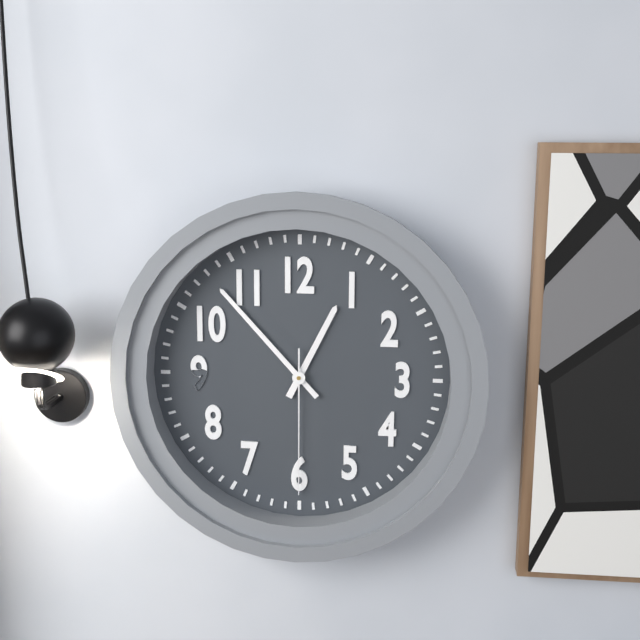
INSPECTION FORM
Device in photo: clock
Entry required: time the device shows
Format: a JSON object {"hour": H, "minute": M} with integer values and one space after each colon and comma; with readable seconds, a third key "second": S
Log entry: {"hour": 12, "minute": 53, "second": 30}
